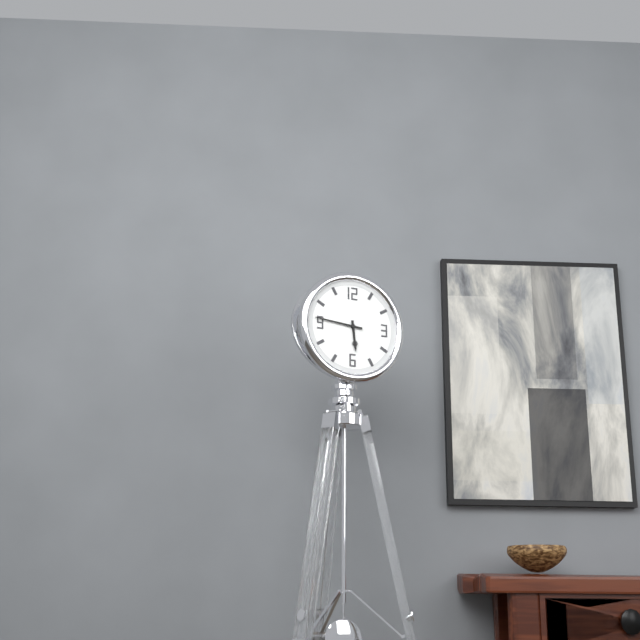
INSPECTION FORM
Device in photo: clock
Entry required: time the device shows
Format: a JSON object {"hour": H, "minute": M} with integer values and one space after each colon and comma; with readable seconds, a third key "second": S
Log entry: {"hour": 5, "minute": 46}
